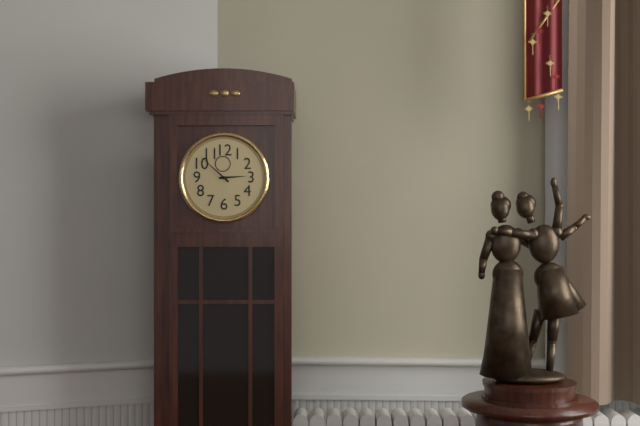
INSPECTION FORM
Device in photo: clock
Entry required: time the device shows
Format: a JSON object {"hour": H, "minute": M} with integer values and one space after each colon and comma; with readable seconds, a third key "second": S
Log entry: {"hour": 2, "minute": 52}
